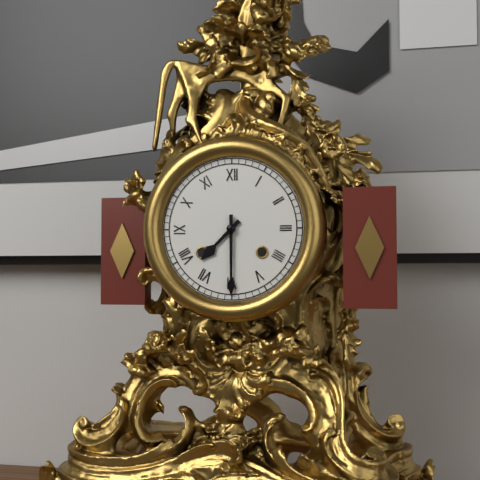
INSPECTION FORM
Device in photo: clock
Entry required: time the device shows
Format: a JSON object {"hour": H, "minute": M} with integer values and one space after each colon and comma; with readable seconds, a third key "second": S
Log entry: {"hour": 7, "minute": 30}
